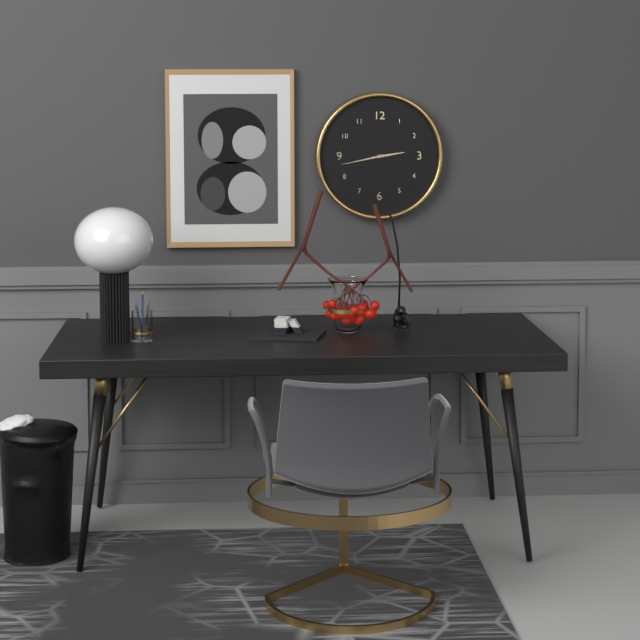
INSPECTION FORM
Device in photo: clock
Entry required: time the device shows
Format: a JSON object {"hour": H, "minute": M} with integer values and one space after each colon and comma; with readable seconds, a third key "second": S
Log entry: {"hour": 2, "minute": 43}
